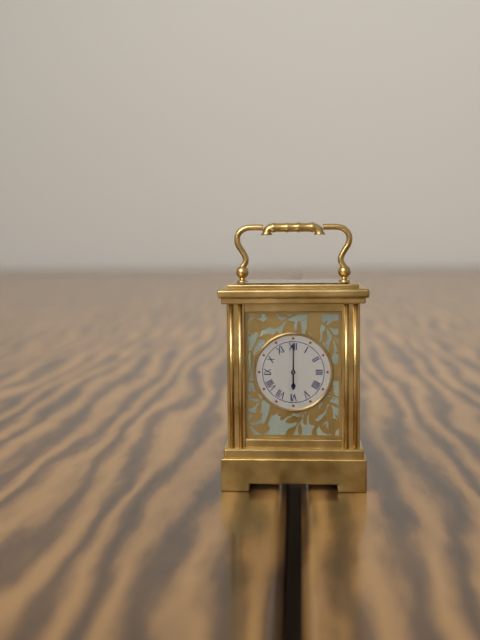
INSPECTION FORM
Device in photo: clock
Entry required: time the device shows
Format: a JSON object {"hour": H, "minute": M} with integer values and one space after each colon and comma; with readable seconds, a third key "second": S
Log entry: {"hour": 6, "minute": 0}
